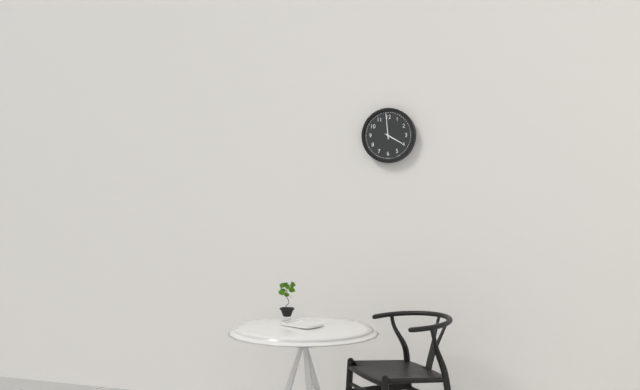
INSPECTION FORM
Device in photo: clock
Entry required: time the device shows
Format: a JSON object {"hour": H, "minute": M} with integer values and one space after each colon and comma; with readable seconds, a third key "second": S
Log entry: {"hour": 3, "minute": 59}
